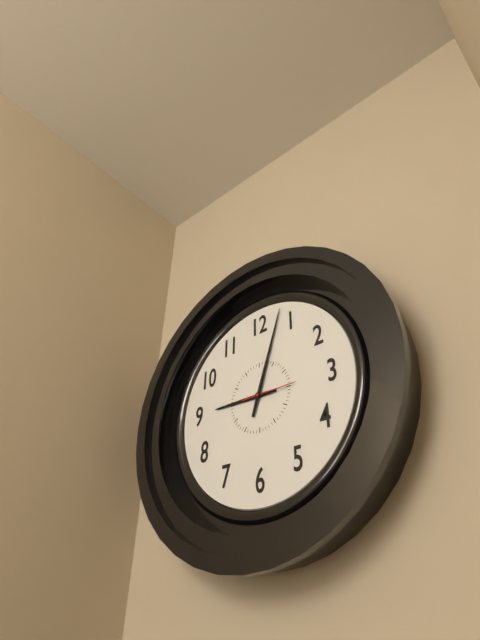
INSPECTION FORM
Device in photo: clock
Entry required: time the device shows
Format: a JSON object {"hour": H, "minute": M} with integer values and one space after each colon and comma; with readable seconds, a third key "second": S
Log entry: {"hour": 9, "minute": 3, "second": 15}
